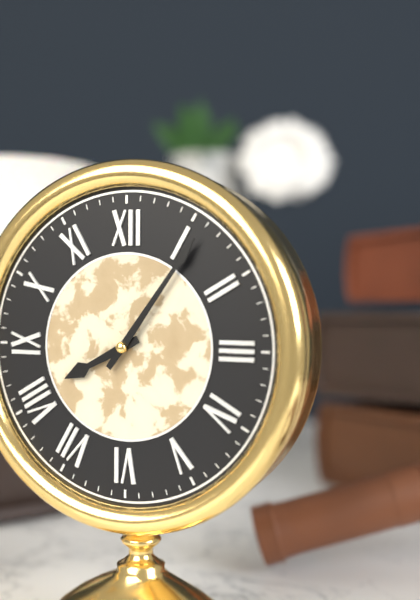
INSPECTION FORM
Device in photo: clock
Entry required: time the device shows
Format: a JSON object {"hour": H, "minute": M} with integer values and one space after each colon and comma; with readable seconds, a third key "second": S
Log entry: {"hour": 8, "minute": 6}
